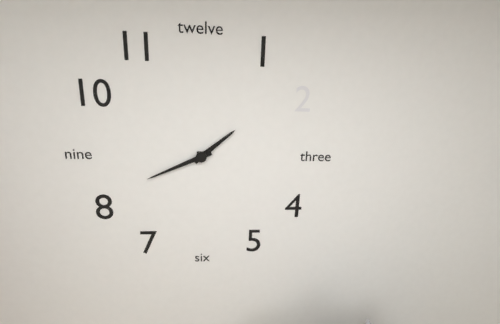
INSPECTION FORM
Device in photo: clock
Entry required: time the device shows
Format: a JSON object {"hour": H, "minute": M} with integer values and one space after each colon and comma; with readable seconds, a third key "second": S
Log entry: {"hour": 1, "minute": 41}
